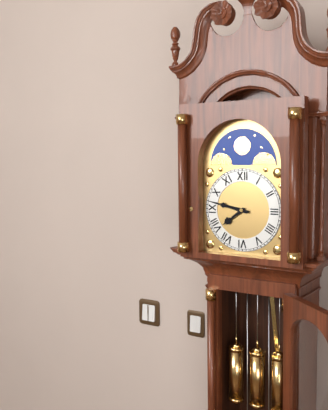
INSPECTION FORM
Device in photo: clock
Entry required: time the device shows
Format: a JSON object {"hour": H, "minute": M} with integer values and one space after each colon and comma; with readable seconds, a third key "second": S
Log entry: {"hour": 7, "minute": 47}
